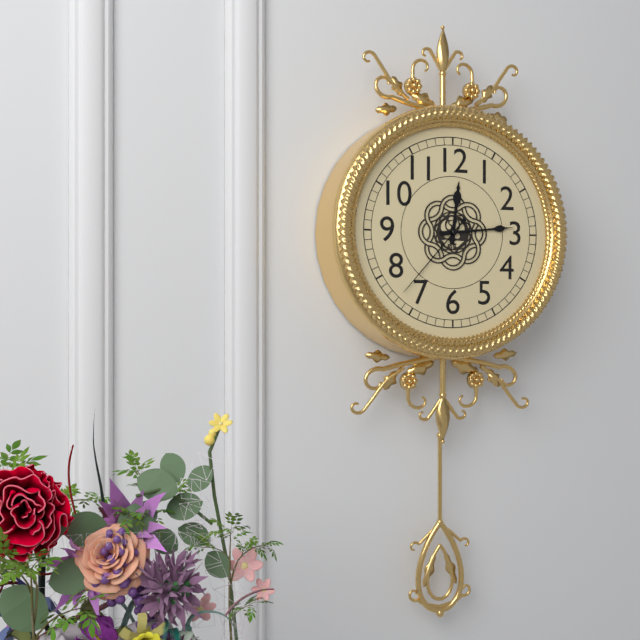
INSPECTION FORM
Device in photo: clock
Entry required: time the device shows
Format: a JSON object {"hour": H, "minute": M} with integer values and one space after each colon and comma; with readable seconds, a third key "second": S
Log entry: {"hour": 12, "minute": 14, "second": 37}
